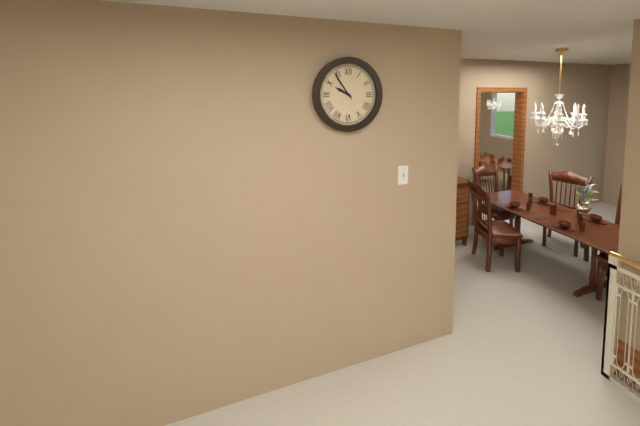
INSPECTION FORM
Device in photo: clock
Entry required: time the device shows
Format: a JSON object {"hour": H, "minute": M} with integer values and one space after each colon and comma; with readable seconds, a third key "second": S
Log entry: {"hour": 9, "minute": 54}
